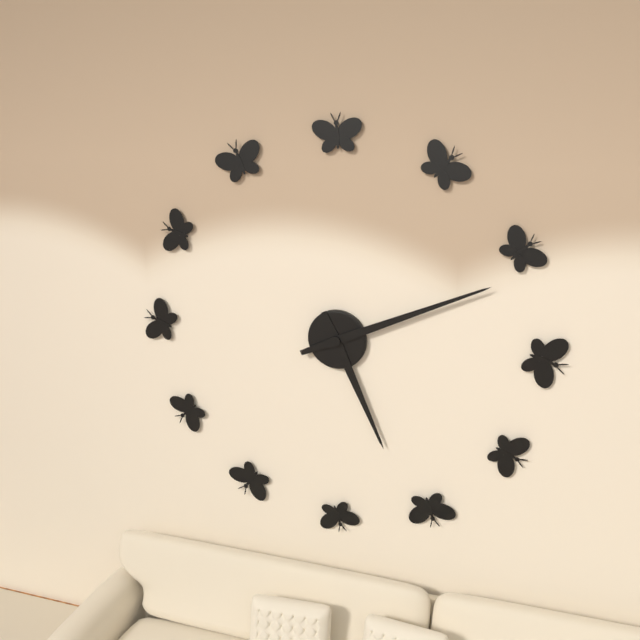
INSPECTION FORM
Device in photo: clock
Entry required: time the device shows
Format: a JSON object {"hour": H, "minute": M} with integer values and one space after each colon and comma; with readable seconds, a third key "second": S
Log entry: {"hour": 5, "minute": 11}
